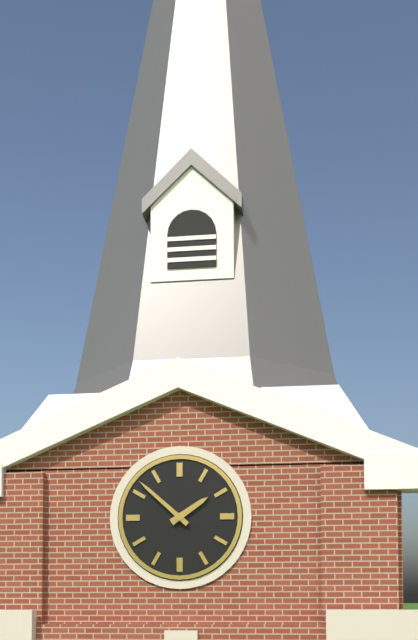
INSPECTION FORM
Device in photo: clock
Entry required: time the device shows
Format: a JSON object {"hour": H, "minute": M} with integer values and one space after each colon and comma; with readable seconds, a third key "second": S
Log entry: {"hour": 1, "minute": 52}
